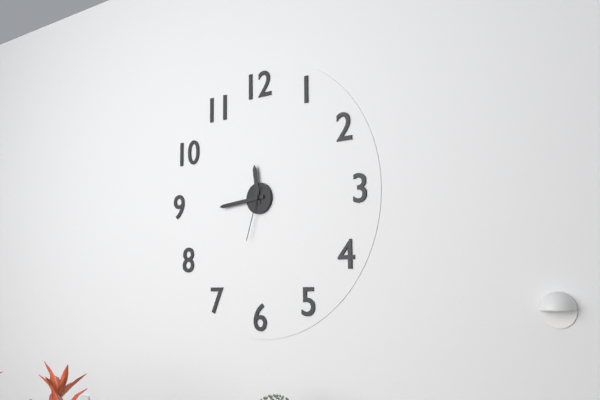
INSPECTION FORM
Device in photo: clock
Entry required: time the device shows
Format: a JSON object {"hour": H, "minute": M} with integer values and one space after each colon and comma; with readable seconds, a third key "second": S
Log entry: {"hour": 11, "minute": 44, "second": 33}
